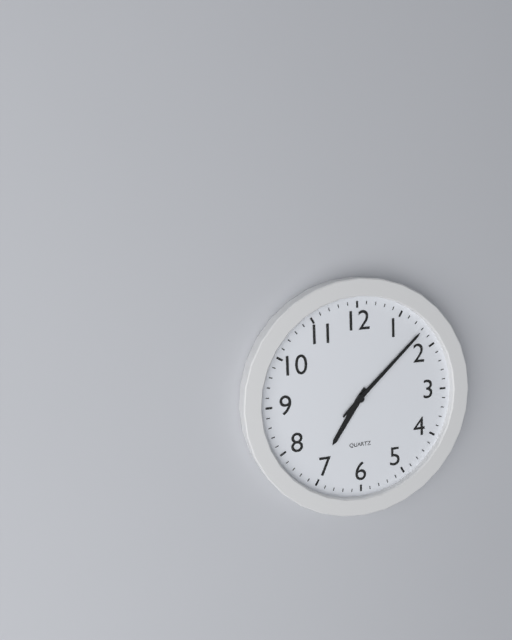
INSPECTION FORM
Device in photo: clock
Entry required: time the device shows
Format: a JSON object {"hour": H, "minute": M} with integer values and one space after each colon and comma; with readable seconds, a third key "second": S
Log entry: {"hour": 7, "minute": 8}
